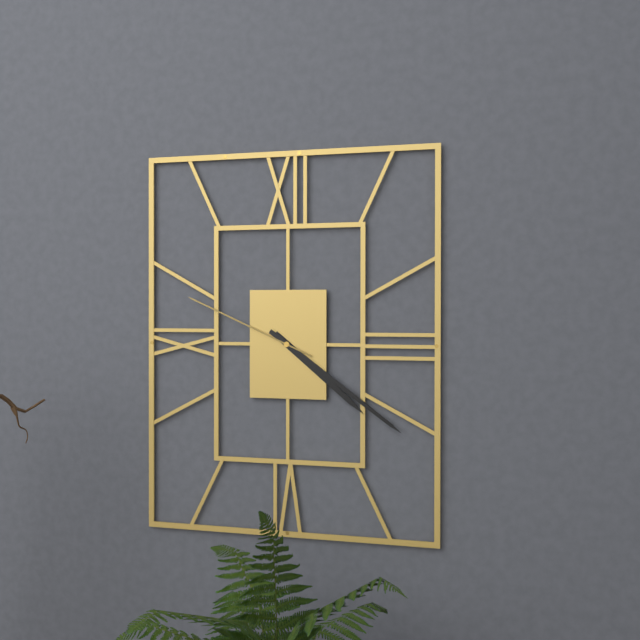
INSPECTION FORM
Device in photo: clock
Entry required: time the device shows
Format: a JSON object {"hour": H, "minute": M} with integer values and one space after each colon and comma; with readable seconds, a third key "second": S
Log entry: {"hour": 4, "minute": 21, "second": 49}
